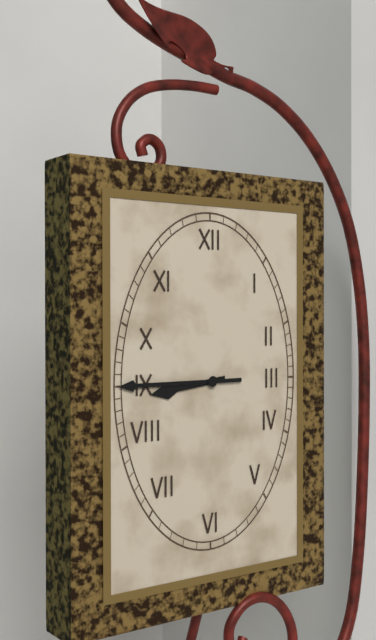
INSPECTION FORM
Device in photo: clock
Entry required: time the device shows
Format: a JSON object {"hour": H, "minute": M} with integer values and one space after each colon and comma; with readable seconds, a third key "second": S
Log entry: {"hour": 8, "minute": 45}
